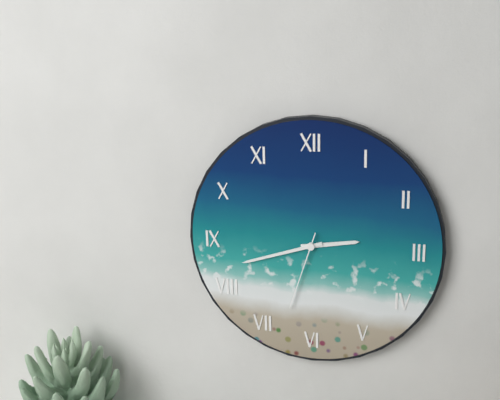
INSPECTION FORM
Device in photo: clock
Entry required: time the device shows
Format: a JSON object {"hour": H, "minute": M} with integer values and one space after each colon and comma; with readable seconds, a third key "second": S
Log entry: {"hour": 2, "minute": 42, "second": 33}
